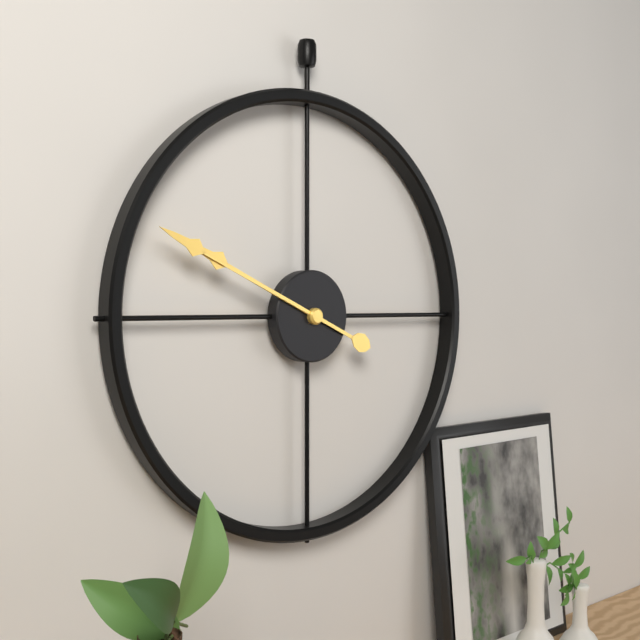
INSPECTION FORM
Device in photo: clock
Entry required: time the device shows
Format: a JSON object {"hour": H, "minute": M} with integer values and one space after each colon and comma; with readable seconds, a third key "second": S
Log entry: {"hour": 9, "minute": 49}
